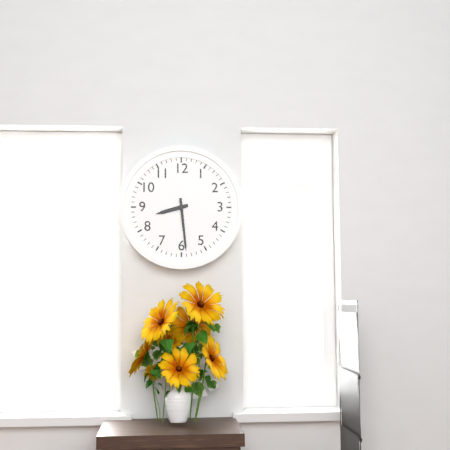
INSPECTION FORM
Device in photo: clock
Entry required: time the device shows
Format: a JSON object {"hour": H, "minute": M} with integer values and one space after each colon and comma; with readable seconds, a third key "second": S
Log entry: {"hour": 8, "minute": 29}
